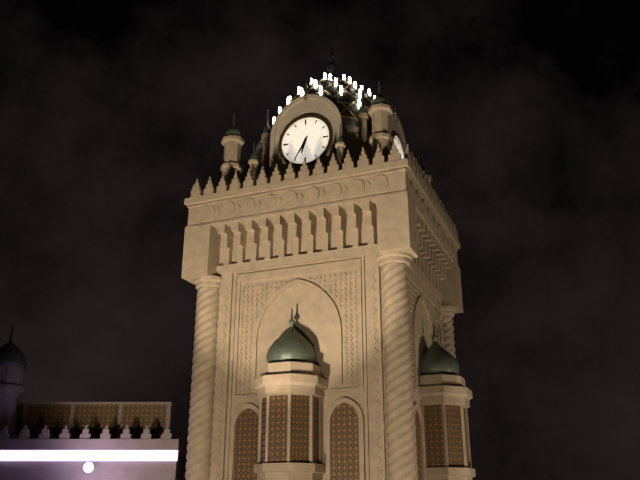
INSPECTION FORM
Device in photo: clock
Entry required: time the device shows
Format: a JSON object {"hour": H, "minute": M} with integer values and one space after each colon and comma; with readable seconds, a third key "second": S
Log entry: {"hour": 6, "minute": 35}
